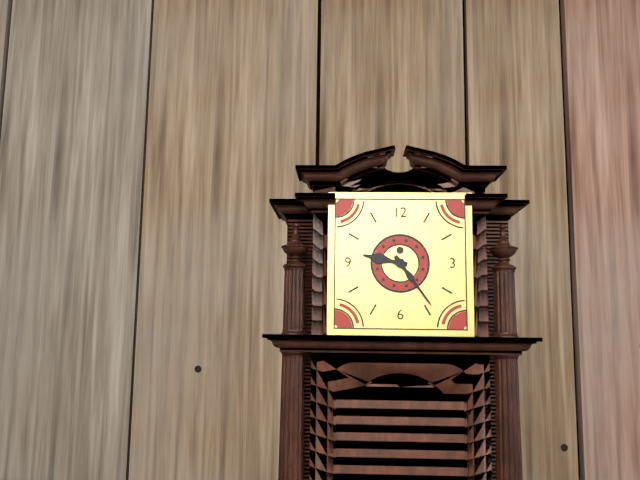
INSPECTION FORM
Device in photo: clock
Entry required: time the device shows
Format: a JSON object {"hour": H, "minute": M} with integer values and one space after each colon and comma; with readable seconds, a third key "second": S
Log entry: {"hour": 9, "minute": 24}
